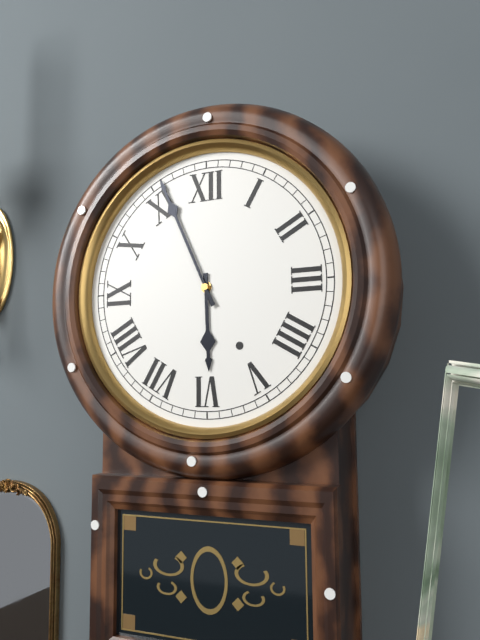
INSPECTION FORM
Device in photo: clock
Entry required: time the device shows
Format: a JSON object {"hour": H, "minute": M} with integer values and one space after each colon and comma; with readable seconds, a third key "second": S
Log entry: {"hour": 5, "minute": 56}
